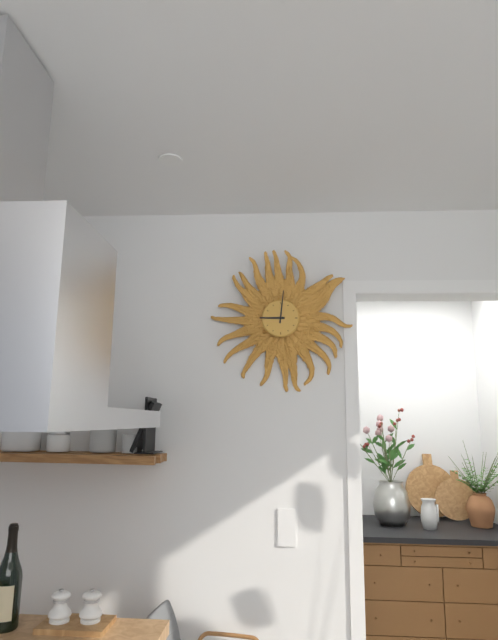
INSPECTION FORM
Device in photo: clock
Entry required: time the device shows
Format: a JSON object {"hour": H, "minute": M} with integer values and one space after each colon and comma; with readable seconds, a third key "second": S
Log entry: {"hour": 9, "minute": 1}
